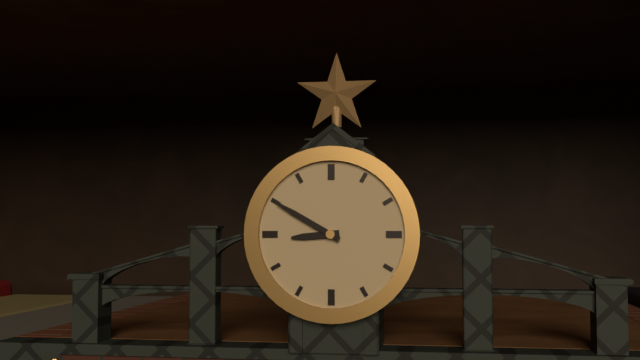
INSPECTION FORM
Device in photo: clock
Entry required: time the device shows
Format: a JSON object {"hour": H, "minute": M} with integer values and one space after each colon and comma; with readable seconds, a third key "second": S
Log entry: {"hour": 8, "minute": 50}
